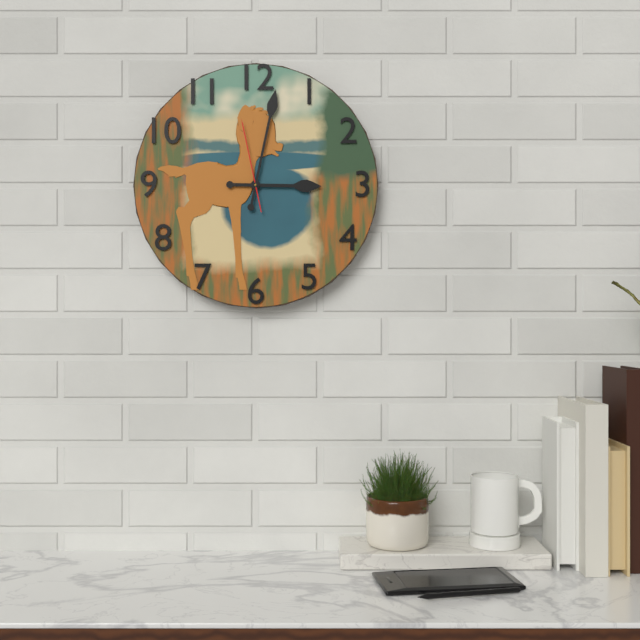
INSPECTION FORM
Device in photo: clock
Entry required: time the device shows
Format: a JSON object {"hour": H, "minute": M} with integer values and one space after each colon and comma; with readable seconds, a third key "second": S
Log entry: {"hour": 3, "minute": 2, "second": 58}
